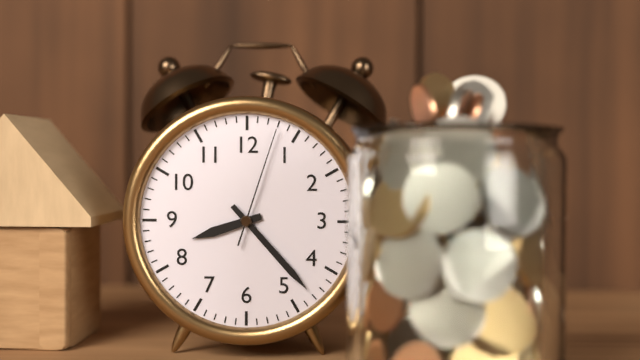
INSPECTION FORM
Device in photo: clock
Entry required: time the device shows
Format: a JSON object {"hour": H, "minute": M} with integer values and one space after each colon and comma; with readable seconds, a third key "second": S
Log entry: {"hour": 8, "minute": 23, "second": 3}
